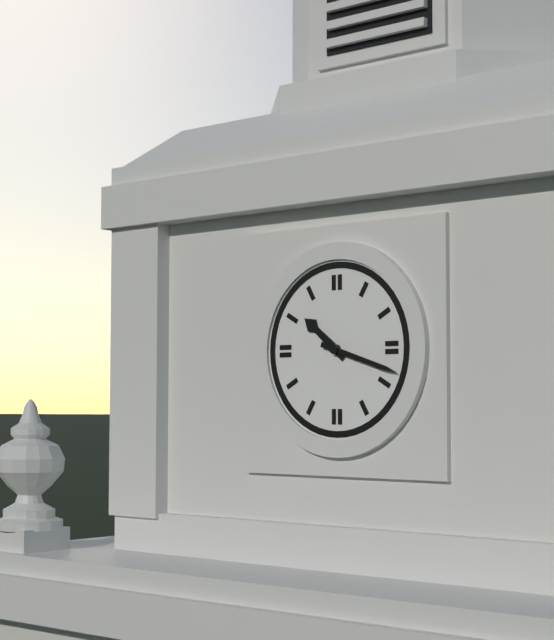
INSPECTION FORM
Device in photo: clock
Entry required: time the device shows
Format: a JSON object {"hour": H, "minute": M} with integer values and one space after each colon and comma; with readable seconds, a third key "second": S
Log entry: {"hour": 10, "minute": 18}
